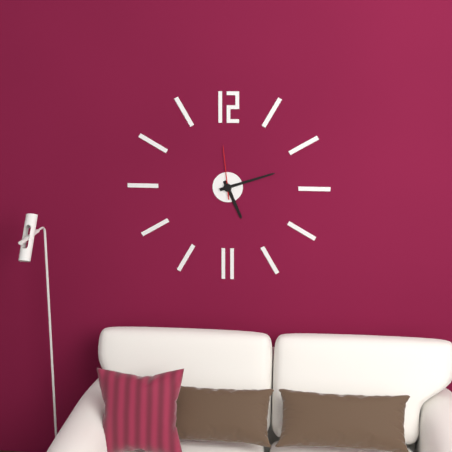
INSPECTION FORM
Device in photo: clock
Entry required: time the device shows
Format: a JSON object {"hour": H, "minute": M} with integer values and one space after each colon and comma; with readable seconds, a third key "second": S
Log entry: {"hour": 5, "minute": 12, "second": 59}
